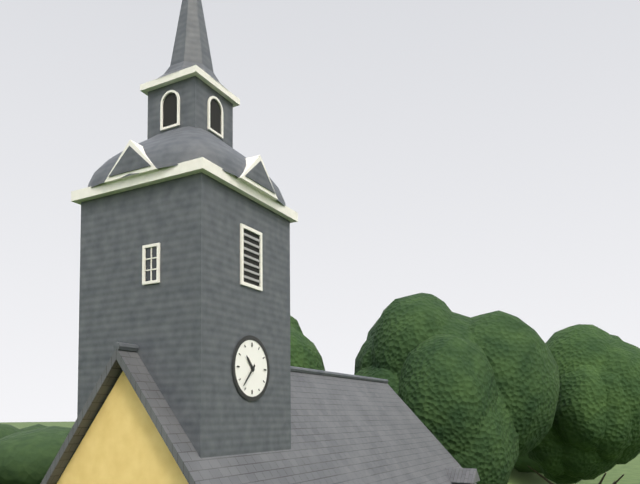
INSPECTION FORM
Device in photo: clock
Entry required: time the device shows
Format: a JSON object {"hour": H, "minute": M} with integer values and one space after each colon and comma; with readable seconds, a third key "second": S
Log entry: {"hour": 10, "minute": 37}
